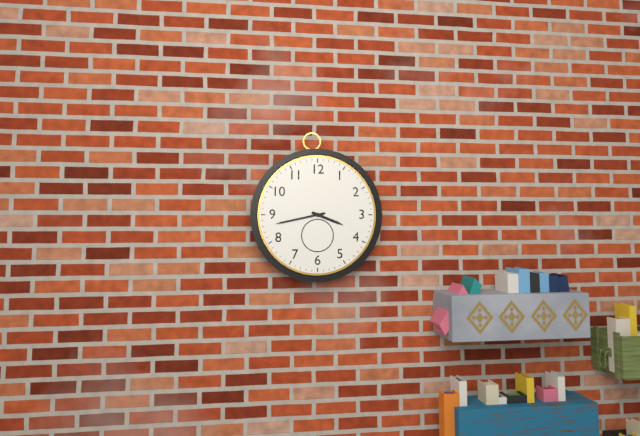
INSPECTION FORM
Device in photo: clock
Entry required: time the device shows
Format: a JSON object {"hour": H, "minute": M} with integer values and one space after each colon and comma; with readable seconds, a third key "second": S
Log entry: {"hour": 3, "minute": 43}
